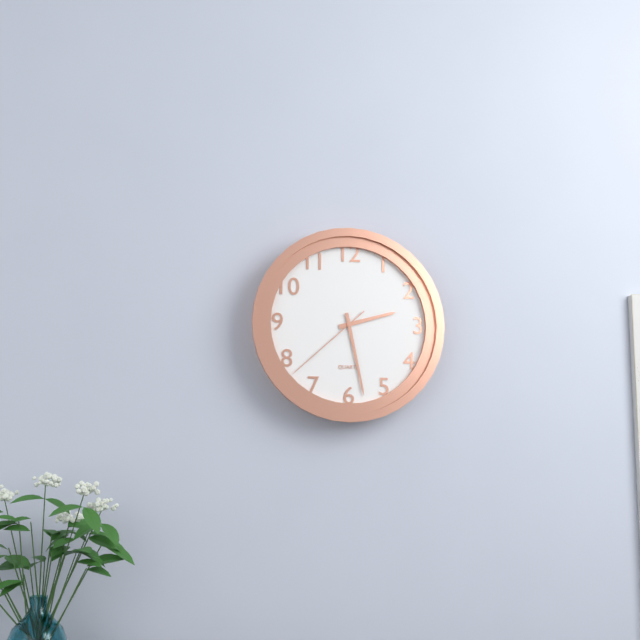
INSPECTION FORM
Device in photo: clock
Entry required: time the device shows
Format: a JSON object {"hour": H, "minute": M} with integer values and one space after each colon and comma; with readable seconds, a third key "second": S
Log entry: {"hour": 2, "minute": 28, "second": 38}
